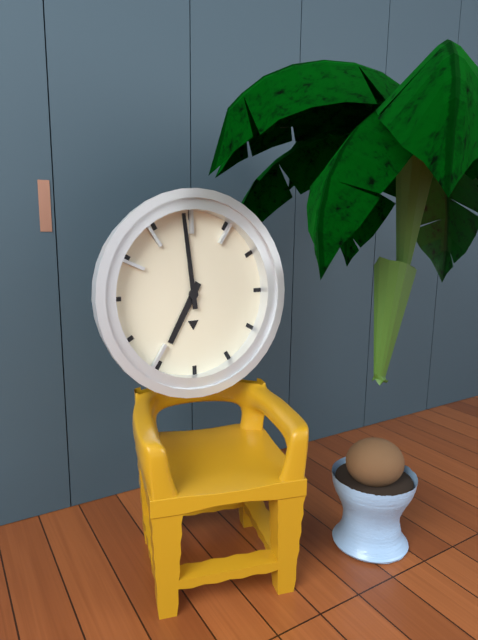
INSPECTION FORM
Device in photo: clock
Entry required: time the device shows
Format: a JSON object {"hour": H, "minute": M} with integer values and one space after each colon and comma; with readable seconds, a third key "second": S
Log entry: {"hour": 6, "minute": 59}
